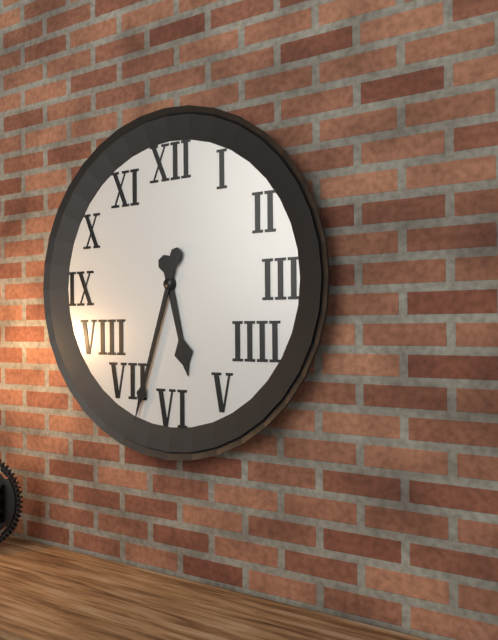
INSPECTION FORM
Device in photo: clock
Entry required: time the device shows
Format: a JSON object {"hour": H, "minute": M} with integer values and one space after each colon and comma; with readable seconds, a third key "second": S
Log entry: {"hour": 5, "minute": 33}
